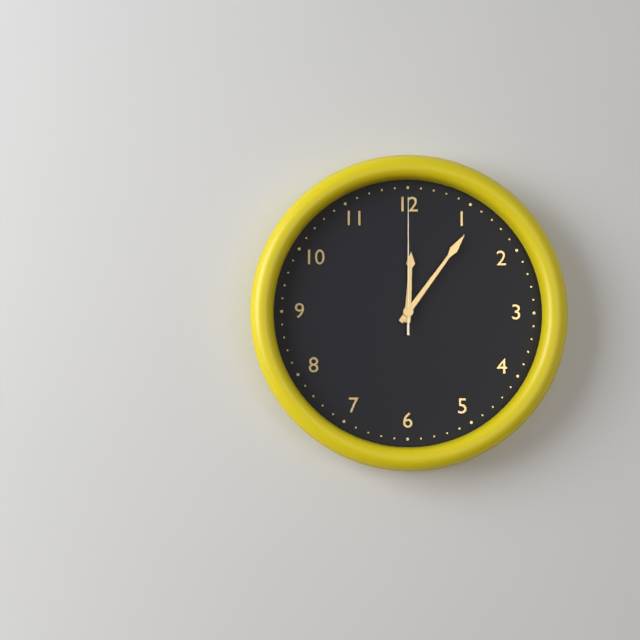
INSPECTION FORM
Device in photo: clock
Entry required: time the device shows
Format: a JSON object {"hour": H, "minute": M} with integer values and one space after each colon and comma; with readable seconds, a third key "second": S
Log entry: {"hour": 12, "minute": 6, "second": 0}
